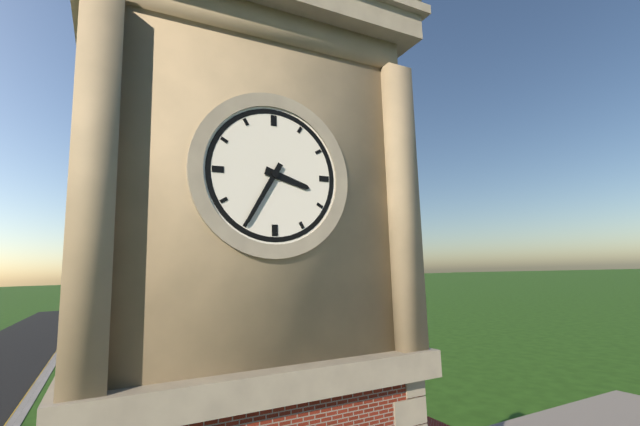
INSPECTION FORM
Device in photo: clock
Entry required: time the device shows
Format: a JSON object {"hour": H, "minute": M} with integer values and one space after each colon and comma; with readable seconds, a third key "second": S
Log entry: {"hour": 3, "minute": 35}
